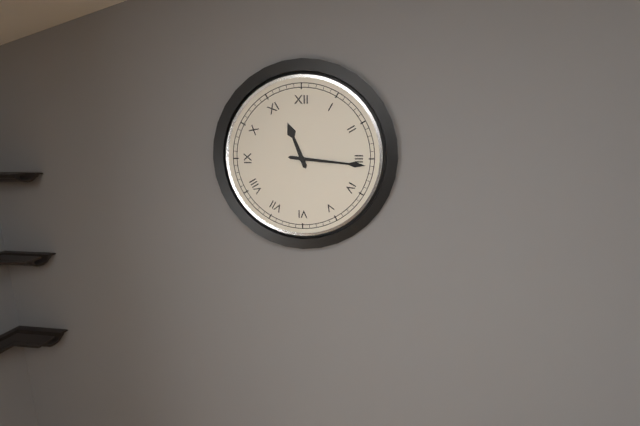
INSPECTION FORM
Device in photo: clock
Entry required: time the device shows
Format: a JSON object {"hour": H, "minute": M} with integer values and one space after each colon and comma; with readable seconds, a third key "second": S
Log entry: {"hour": 11, "minute": 16}
